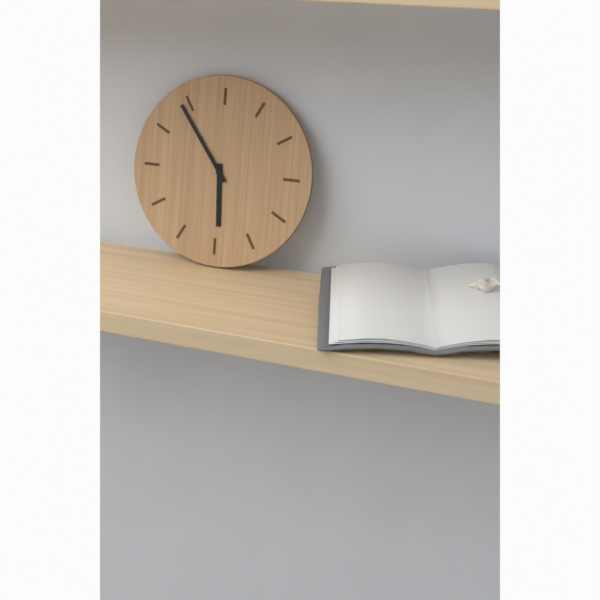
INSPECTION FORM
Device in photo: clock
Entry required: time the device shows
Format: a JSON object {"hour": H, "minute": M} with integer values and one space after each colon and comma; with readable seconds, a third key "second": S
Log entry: {"hour": 5, "minute": 54}
